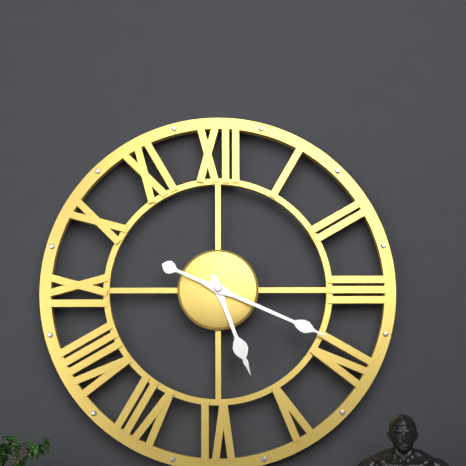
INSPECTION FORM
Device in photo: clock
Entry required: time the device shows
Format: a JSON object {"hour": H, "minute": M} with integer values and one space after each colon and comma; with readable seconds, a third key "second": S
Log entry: {"hour": 5, "minute": 19}
